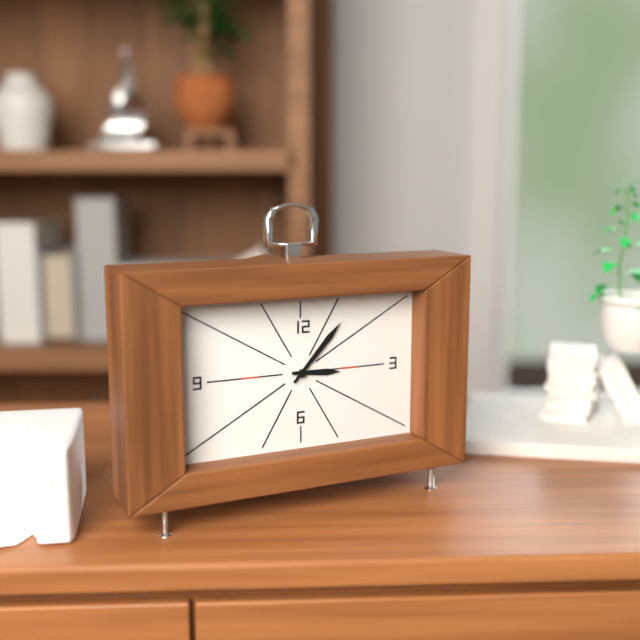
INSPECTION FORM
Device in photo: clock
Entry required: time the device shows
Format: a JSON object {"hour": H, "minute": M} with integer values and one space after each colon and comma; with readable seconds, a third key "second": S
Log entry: {"hour": 3, "minute": 7}
